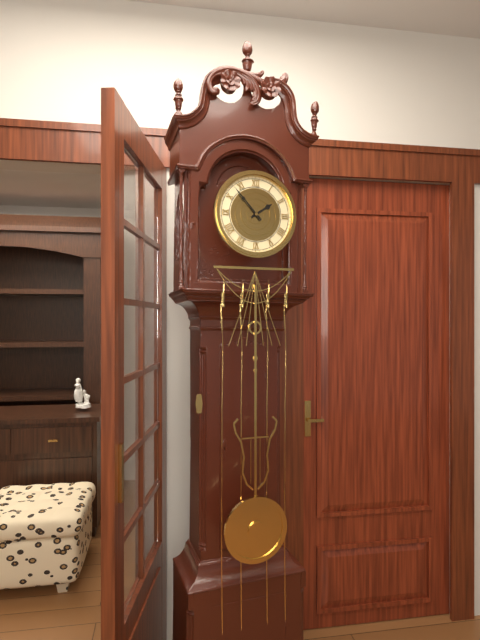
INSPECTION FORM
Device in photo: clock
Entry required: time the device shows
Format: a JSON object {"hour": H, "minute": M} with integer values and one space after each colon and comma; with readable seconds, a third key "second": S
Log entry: {"hour": 1, "minute": 53}
